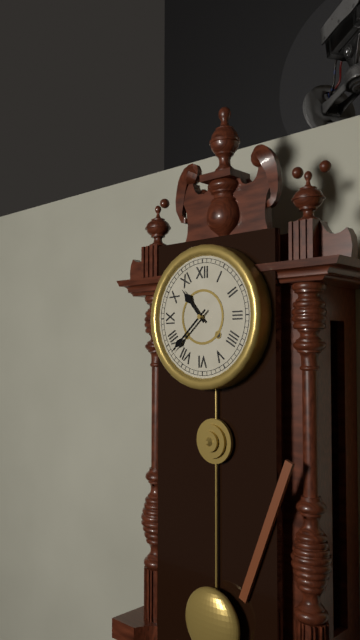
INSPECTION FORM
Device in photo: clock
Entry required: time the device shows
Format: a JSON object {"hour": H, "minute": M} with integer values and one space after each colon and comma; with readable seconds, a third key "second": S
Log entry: {"hour": 10, "minute": 38}
